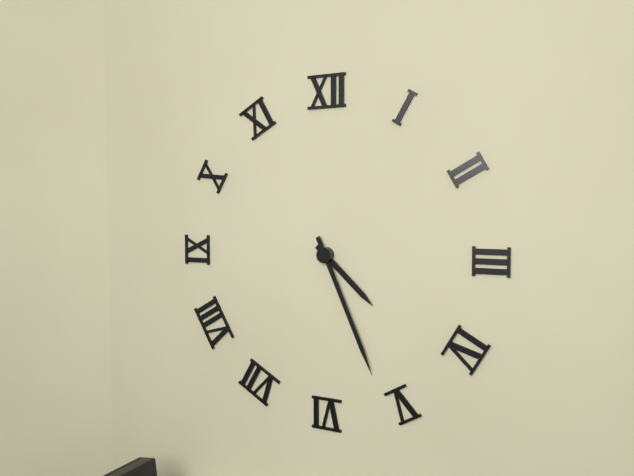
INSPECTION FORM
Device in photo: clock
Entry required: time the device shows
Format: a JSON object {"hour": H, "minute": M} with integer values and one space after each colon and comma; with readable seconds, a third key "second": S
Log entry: {"hour": 4, "minute": 26}
